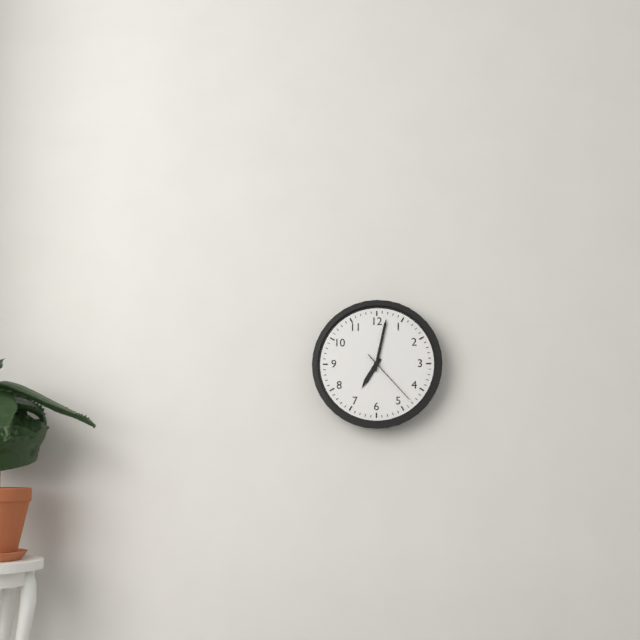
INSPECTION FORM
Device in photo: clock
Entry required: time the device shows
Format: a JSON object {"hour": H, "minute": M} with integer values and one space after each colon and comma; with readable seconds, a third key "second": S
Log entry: {"hour": 7, "minute": 2, "second": 23}
